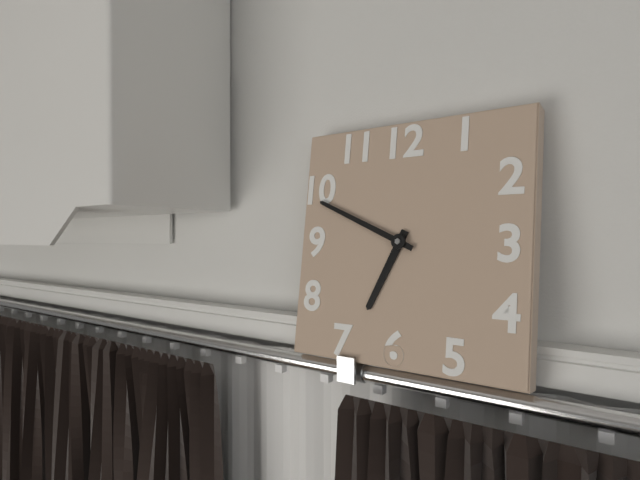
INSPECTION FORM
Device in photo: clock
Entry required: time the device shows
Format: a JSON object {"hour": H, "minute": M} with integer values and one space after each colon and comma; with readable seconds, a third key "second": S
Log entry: {"hour": 6, "minute": 49}
